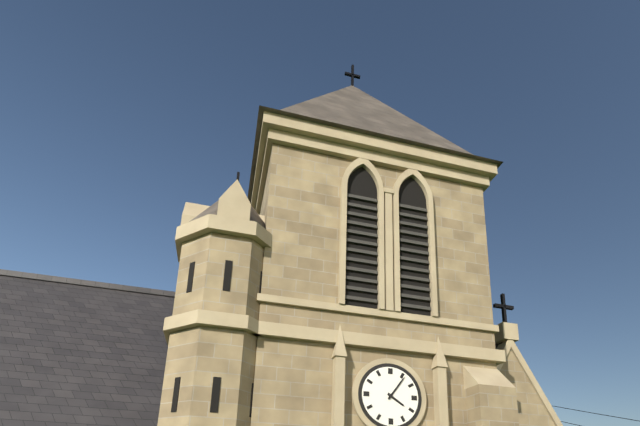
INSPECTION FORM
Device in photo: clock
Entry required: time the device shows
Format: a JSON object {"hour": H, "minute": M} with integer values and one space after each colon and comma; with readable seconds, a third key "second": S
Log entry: {"hour": 4, "minute": 6}
